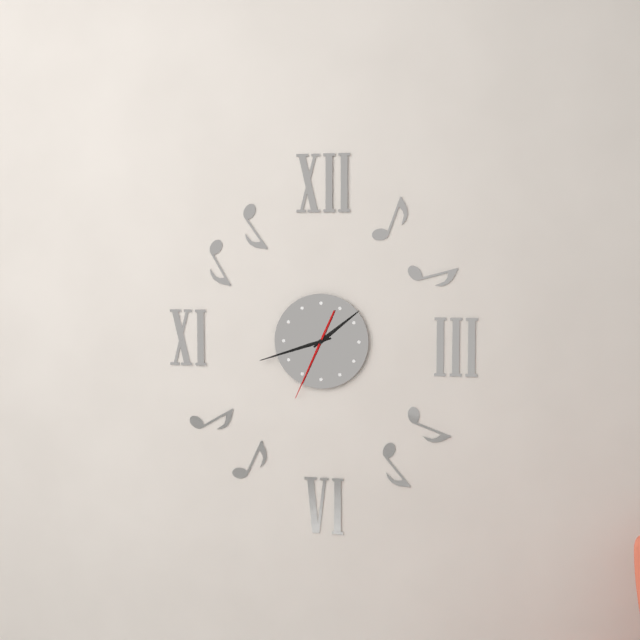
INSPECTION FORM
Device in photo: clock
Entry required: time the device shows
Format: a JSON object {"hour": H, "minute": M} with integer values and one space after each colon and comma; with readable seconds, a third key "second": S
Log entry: {"hour": 1, "minute": 42, "second": 34}
